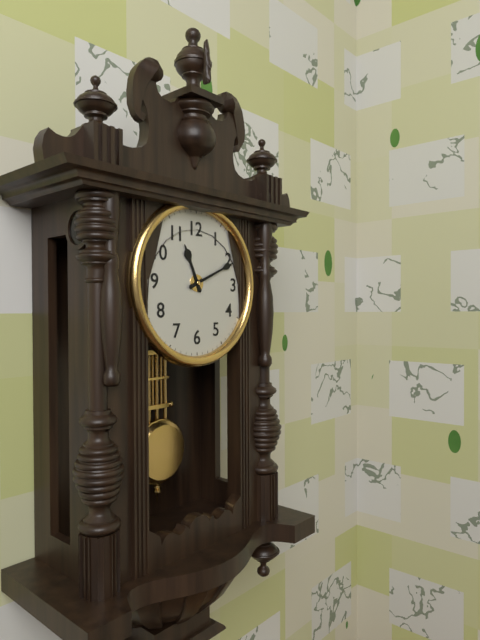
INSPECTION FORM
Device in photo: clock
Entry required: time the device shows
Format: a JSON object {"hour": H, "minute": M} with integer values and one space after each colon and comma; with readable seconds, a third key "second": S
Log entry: {"hour": 11, "minute": 11}
